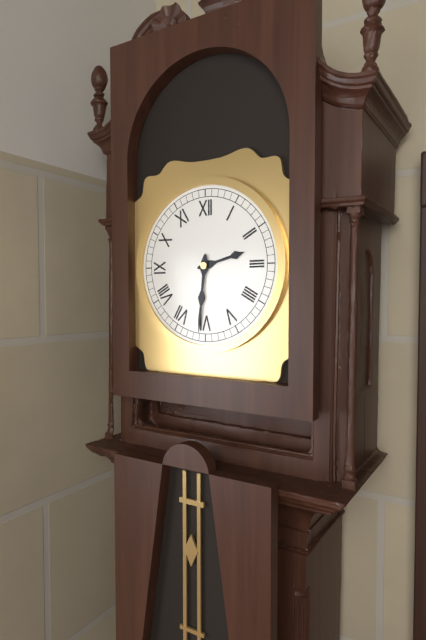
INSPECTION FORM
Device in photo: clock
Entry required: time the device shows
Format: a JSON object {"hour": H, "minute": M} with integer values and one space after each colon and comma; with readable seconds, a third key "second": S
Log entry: {"hour": 2, "minute": 31}
